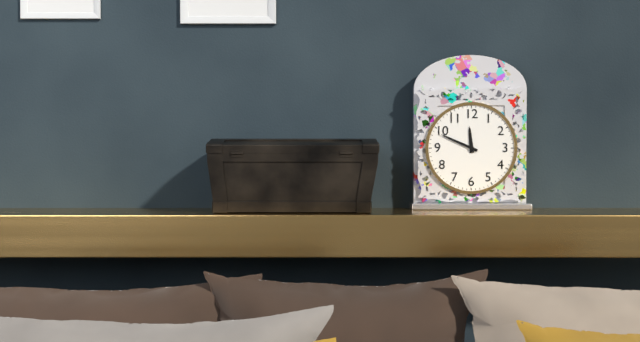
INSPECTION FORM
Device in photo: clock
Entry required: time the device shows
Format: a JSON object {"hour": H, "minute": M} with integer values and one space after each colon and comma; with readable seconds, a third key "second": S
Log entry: {"hour": 11, "minute": 49}
